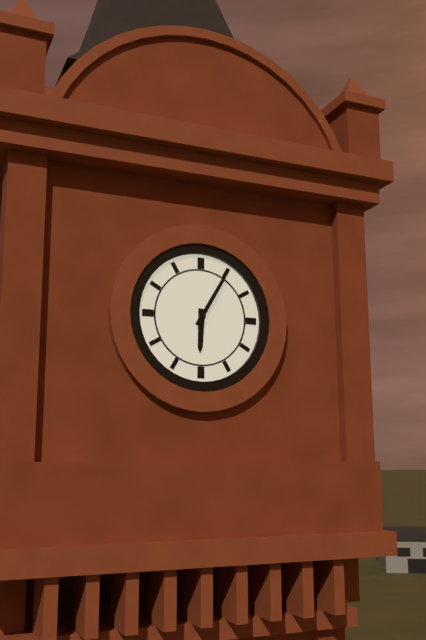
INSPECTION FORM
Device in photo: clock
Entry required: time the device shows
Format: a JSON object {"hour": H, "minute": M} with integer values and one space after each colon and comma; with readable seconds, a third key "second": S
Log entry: {"hour": 6, "minute": 5}
